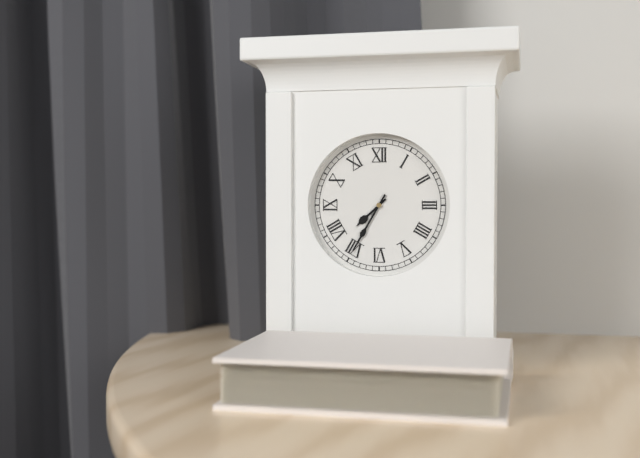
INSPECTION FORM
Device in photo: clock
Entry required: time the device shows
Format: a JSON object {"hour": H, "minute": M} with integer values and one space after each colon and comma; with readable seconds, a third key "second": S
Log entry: {"hour": 7, "minute": 35}
